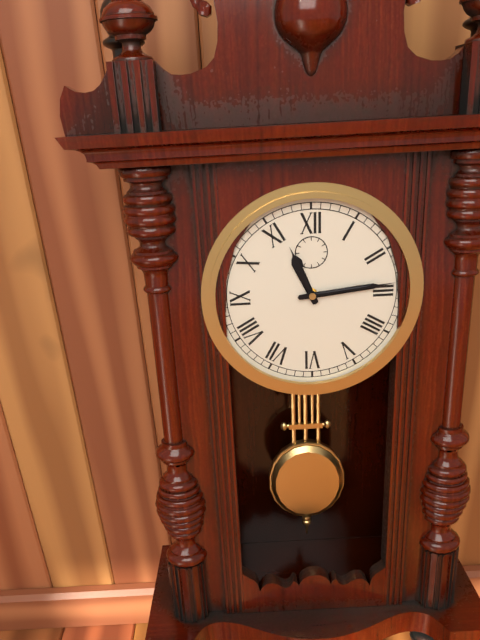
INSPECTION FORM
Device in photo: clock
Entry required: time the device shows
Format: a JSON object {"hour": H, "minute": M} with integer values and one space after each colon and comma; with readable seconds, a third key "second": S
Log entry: {"hour": 11, "minute": 14}
